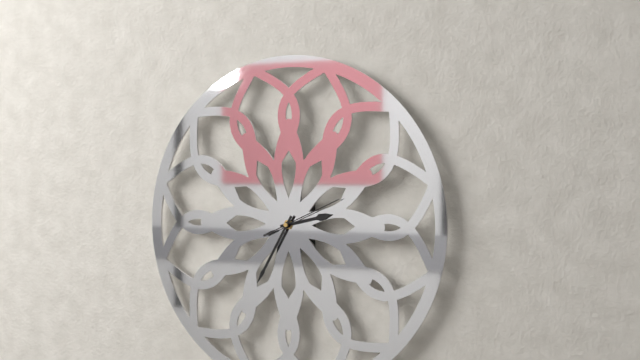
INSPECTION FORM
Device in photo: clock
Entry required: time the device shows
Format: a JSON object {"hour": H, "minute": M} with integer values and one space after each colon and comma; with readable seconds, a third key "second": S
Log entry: {"hour": 2, "minute": 35, "second": 11}
